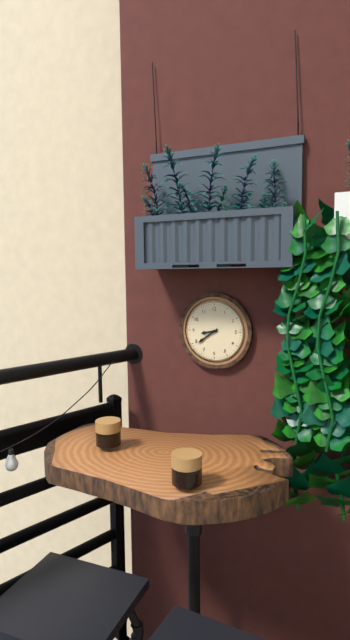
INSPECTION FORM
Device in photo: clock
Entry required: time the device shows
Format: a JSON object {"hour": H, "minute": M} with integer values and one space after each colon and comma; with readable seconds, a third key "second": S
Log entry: {"hour": 8, "minute": 39}
